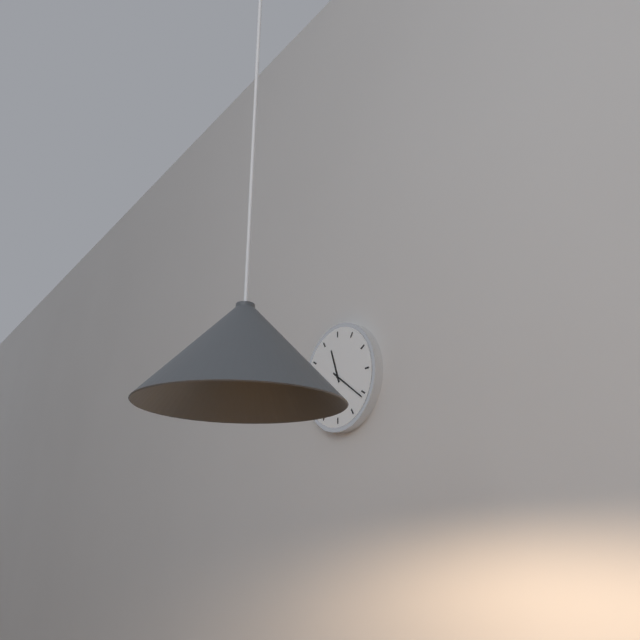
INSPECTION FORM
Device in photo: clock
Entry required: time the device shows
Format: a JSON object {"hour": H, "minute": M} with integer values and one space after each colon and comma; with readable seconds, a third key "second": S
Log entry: {"hour": 11, "minute": 21}
